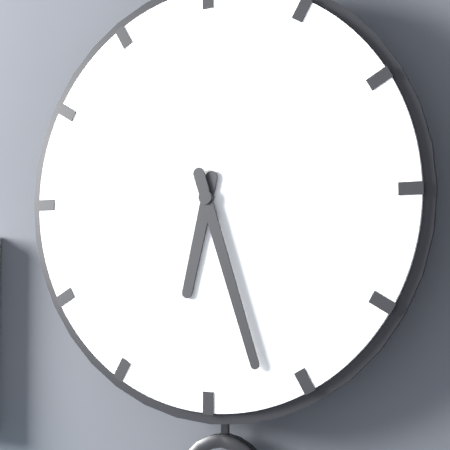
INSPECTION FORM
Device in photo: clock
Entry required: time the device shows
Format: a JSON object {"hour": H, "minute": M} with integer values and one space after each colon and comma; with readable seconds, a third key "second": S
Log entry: {"hour": 6, "minute": 27}
